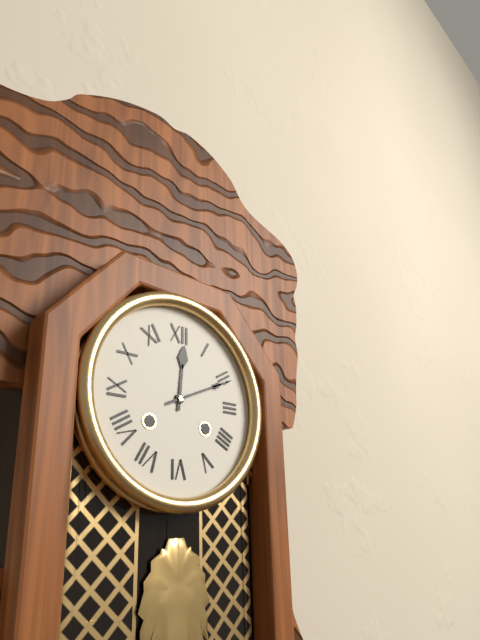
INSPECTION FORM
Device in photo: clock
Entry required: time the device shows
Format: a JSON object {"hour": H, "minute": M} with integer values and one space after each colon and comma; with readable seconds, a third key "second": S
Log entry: {"hour": 12, "minute": 11}
